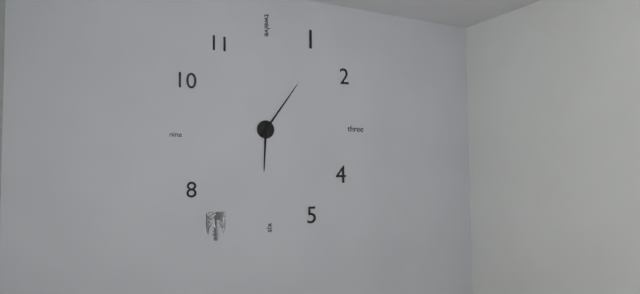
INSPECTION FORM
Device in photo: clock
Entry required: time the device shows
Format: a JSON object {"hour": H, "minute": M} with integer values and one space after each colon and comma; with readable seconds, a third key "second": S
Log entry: {"hour": 6, "minute": 6}
